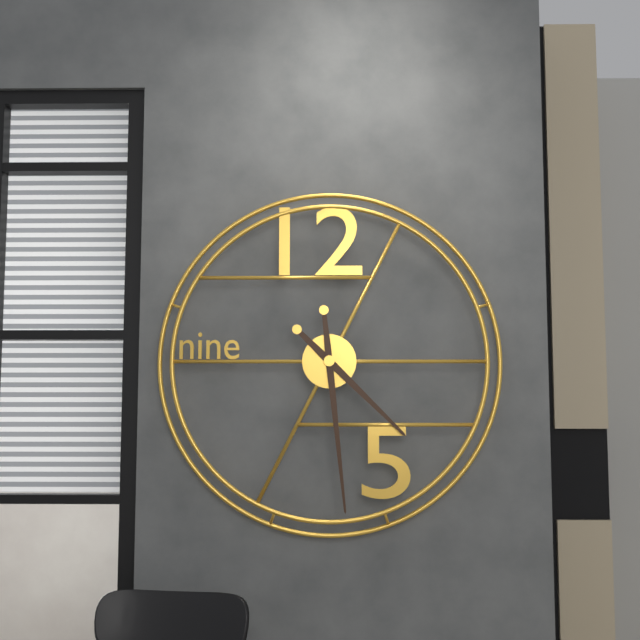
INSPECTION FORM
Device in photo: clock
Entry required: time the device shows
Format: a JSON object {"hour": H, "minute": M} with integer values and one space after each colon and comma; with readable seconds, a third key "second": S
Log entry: {"hour": 4, "minute": 29}
